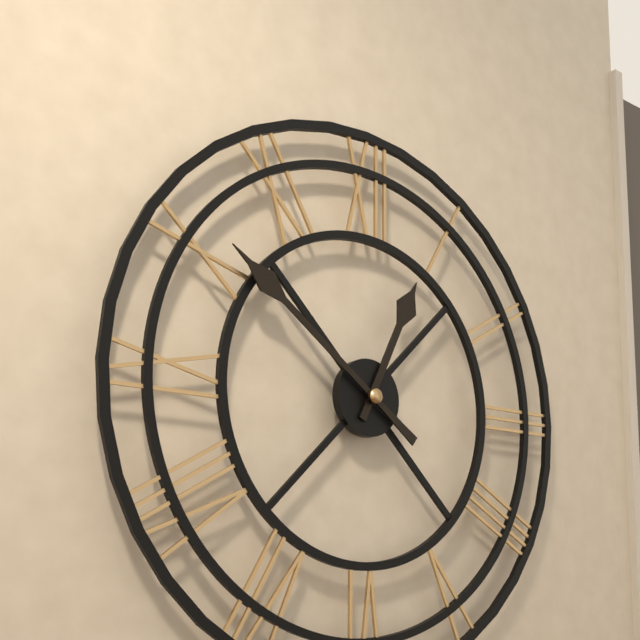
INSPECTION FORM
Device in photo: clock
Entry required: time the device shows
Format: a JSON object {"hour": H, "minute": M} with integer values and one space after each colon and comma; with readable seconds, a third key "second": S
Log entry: {"hour": 12, "minute": 51}
